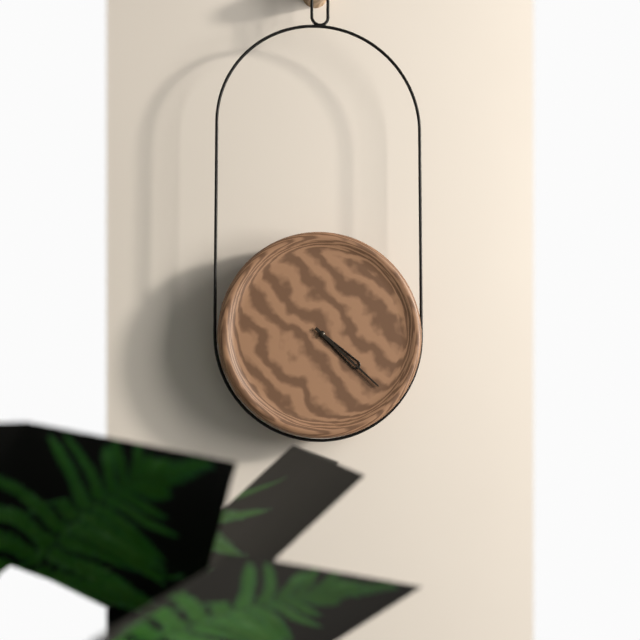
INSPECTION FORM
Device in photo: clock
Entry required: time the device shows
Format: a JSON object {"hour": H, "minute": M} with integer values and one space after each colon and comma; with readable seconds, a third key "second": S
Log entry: {"hour": 4, "minute": 22}
